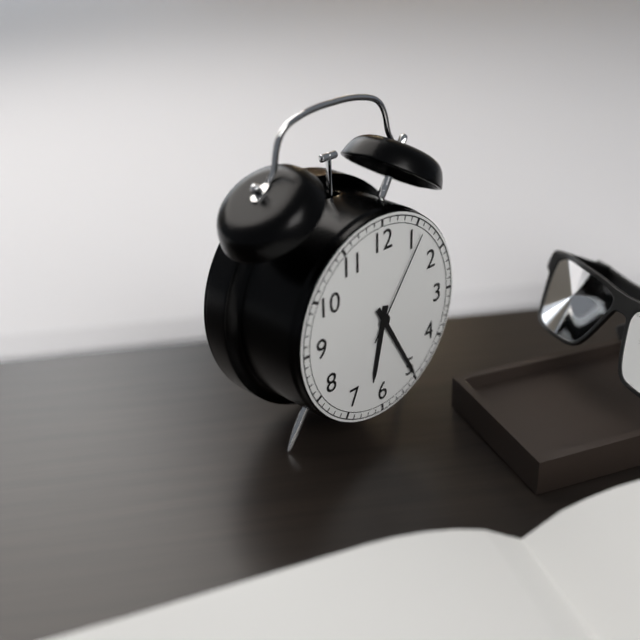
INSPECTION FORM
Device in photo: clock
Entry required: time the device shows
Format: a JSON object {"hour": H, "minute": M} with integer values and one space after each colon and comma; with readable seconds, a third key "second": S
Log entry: {"hour": 6, "minute": 25, "second": 6}
